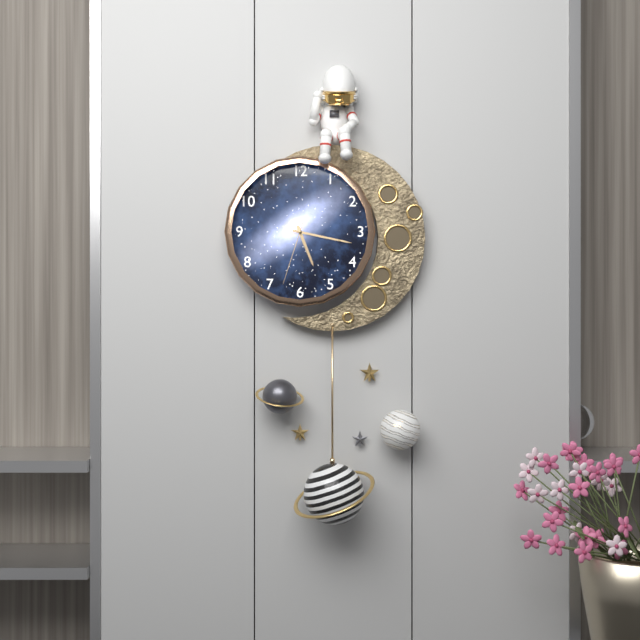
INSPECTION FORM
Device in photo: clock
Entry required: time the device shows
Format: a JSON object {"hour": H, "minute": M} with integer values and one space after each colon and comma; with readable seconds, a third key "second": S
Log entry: {"hour": 5, "minute": 17, "second": 33}
